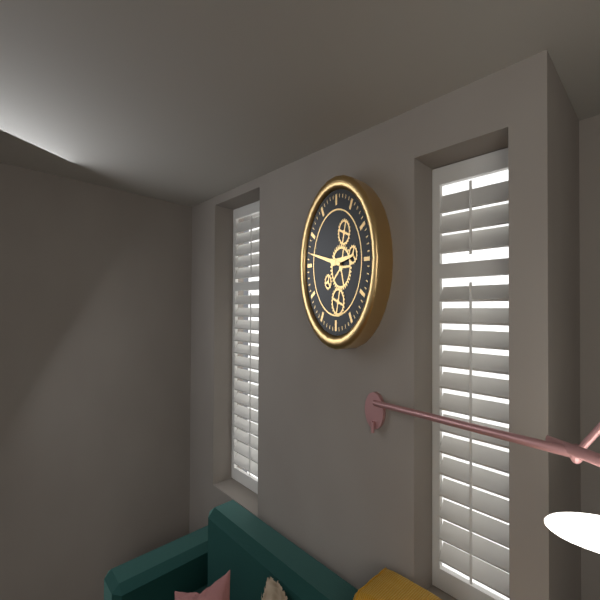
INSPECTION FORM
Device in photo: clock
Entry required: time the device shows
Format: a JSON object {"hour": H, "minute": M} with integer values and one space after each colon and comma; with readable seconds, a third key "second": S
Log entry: {"hour": 2, "minute": 47}
